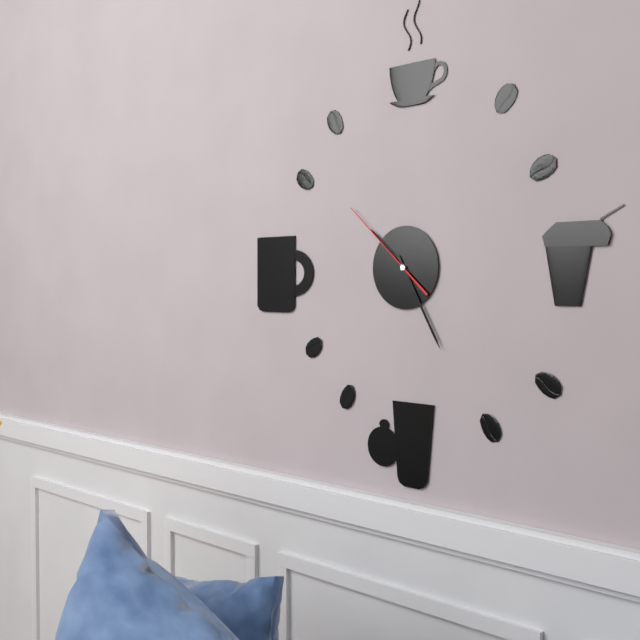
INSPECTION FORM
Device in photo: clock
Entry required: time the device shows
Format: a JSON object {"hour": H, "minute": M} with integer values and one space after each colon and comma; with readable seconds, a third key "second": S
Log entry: {"hour": 10, "minute": 25, "second": 52}
